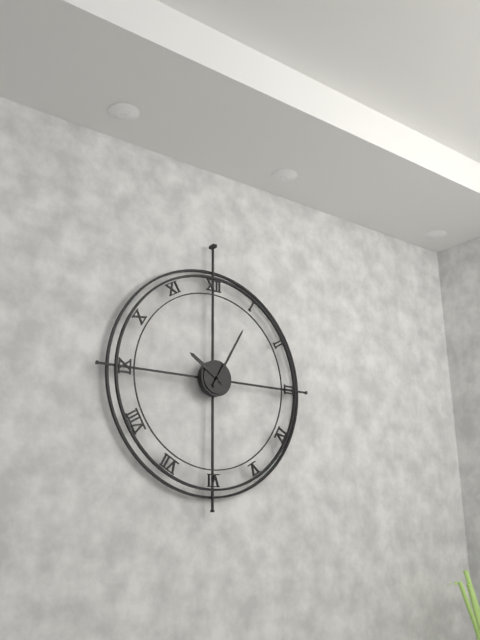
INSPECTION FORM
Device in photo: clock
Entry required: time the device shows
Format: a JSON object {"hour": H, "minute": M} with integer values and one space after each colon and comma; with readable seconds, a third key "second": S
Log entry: {"hour": 10, "minute": 5}
